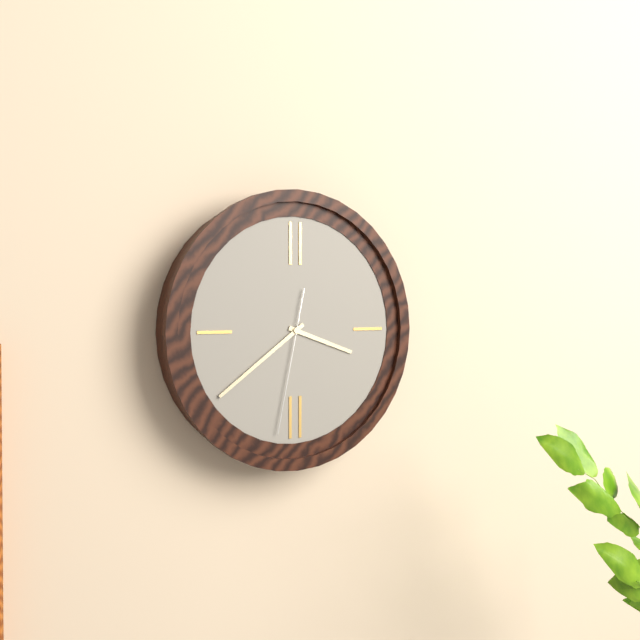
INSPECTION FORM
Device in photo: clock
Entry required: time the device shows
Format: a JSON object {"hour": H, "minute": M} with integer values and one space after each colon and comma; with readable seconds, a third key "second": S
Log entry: {"hour": 3, "minute": 39, "second": 32}
